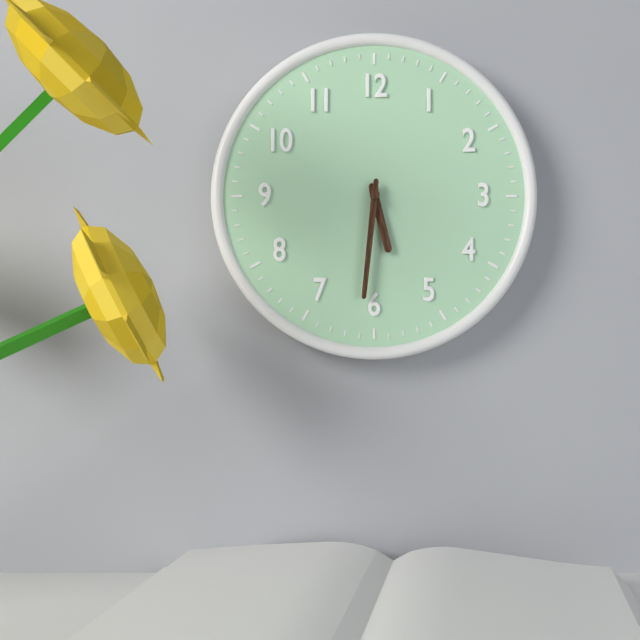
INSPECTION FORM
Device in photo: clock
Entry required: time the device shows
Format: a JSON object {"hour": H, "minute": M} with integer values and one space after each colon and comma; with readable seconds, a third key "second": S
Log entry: {"hour": 5, "minute": 31}
